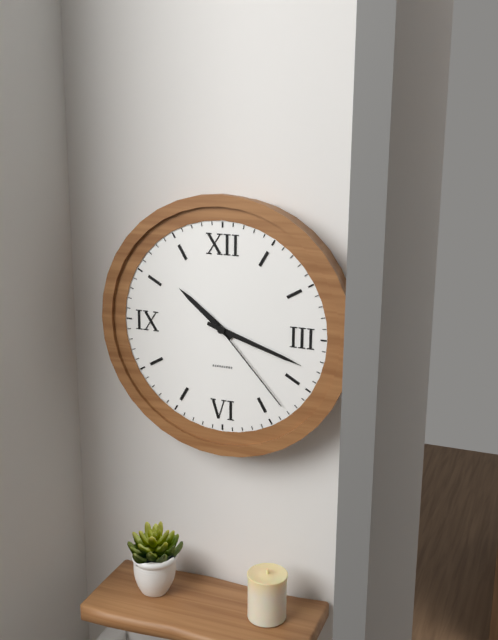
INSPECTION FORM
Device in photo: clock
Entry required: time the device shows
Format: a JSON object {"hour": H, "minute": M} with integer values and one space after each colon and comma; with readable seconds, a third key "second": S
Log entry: {"hour": 10, "minute": 18, "second": 23}
